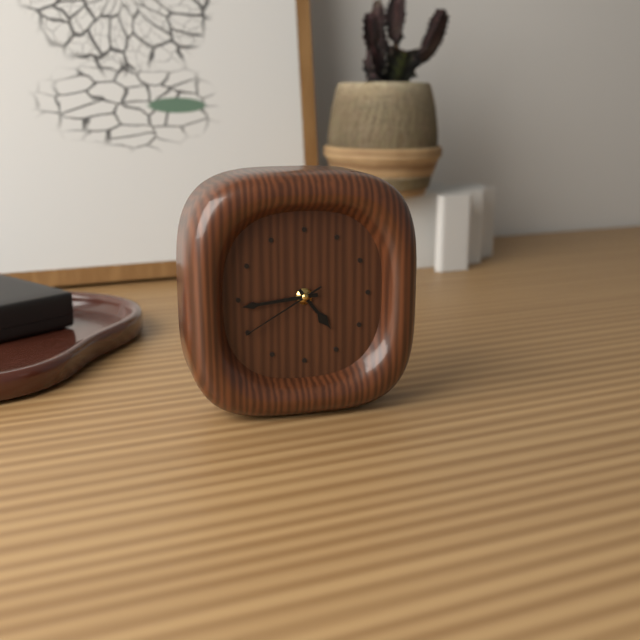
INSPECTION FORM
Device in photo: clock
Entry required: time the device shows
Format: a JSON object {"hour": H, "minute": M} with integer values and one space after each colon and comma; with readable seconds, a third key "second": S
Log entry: {"hour": 4, "minute": 44, "second": 40}
